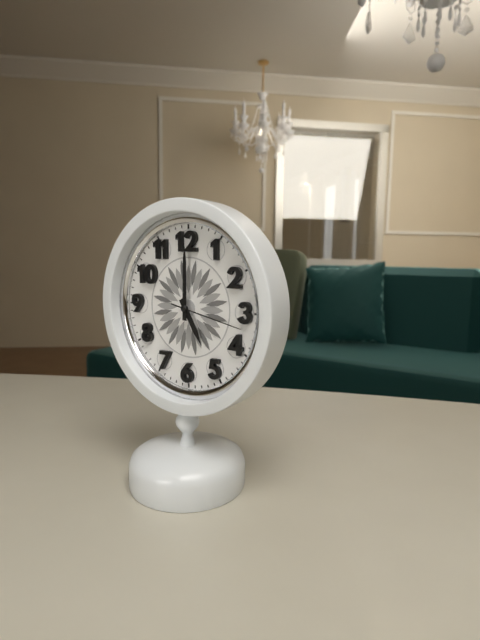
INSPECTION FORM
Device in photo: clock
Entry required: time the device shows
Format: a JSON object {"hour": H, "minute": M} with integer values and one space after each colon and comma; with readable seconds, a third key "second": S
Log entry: {"hour": 5, "minute": 0, "second": 17}
